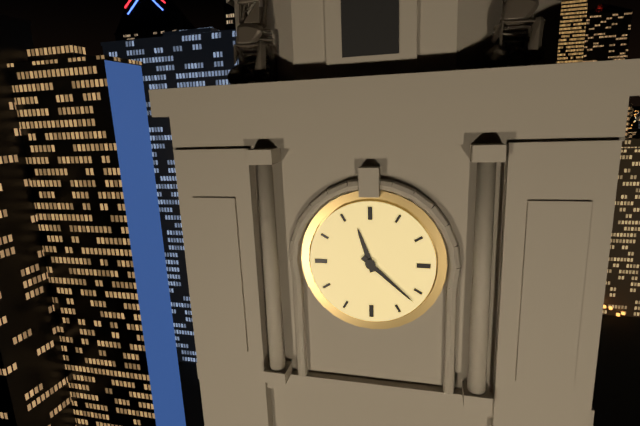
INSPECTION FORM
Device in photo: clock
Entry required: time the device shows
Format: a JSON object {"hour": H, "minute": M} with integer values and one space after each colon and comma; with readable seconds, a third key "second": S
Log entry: {"hour": 11, "minute": 22}
